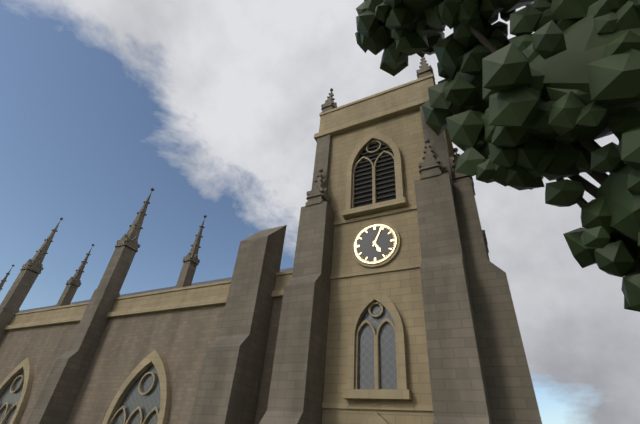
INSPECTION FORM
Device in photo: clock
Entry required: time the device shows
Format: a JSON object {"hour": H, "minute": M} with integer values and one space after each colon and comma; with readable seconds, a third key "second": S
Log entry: {"hour": 5, "minute": 4}
